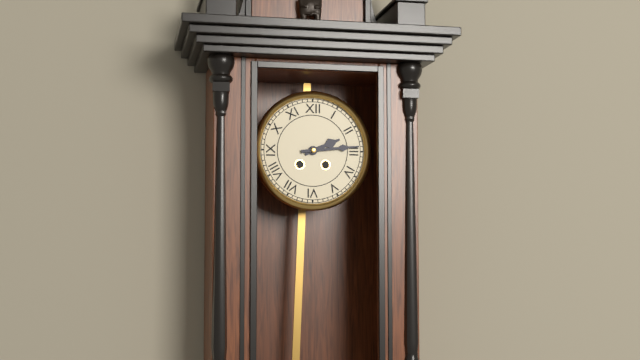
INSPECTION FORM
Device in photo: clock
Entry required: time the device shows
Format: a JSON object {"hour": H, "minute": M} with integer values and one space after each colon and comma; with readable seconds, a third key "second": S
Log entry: {"hour": 2, "minute": 14}
